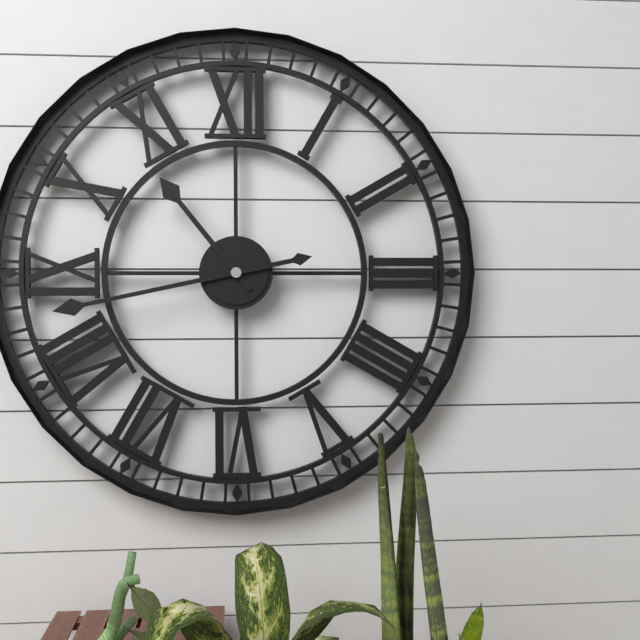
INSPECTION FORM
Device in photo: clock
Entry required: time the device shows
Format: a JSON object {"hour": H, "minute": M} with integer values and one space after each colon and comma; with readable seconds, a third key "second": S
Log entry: {"hour": 10, "minute": 43}
